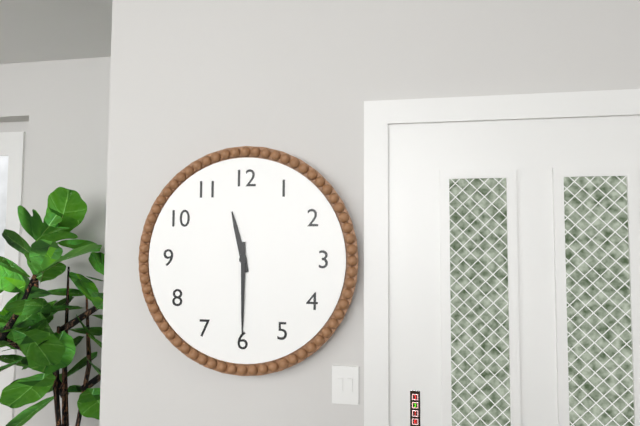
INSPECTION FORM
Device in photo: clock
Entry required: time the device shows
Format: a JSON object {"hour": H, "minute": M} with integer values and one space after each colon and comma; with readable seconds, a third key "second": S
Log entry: {"hour": 11, "minute": 30}
